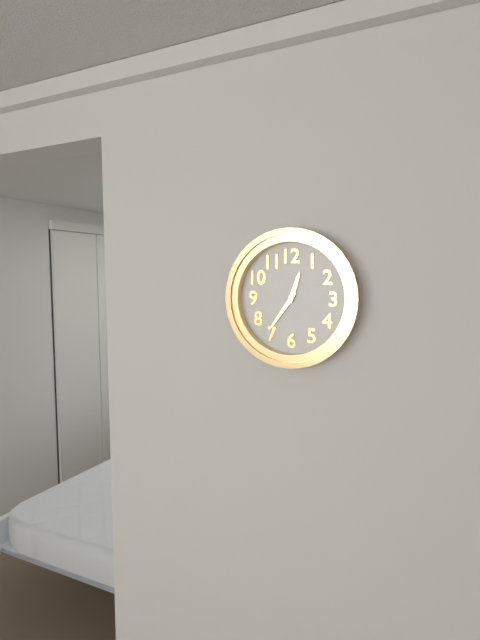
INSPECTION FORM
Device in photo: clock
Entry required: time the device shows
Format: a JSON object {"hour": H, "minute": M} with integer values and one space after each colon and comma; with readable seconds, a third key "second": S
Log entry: {"hour": 12, "minute": 36}
